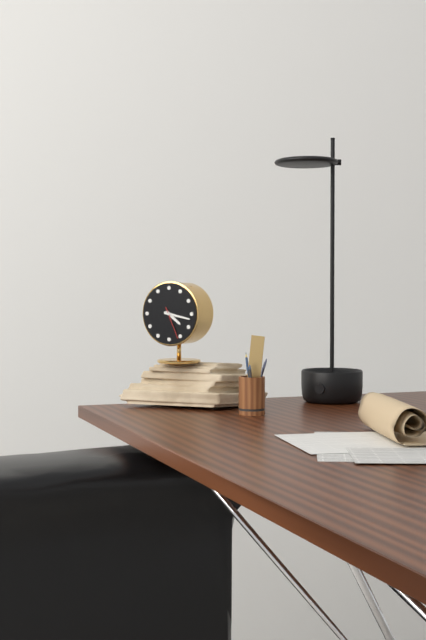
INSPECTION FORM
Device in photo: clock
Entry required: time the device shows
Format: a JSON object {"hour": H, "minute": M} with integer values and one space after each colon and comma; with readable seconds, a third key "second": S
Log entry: {"hour": 4, "minute": 17}
